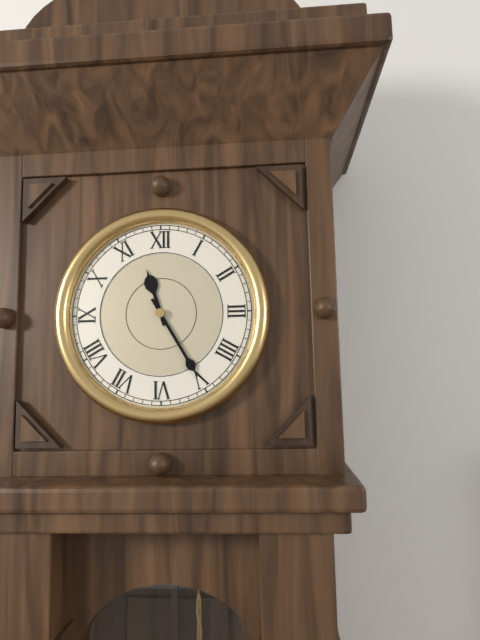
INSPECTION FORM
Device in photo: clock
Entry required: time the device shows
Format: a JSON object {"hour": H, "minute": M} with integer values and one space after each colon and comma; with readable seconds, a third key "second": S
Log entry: {"hour": 11, "minute": 25}
